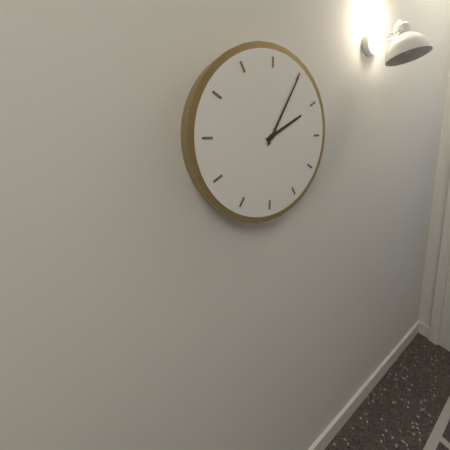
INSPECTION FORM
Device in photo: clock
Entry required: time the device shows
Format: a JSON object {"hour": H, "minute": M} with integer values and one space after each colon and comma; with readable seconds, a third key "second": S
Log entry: {"hour": 2, "minute": 5}
